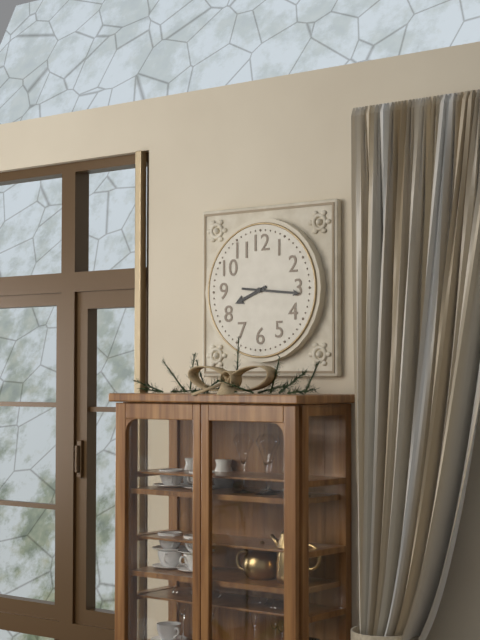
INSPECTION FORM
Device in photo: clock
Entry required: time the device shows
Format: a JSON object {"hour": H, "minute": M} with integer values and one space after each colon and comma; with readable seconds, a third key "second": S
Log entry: {"hour": 8, "minute": 16}
